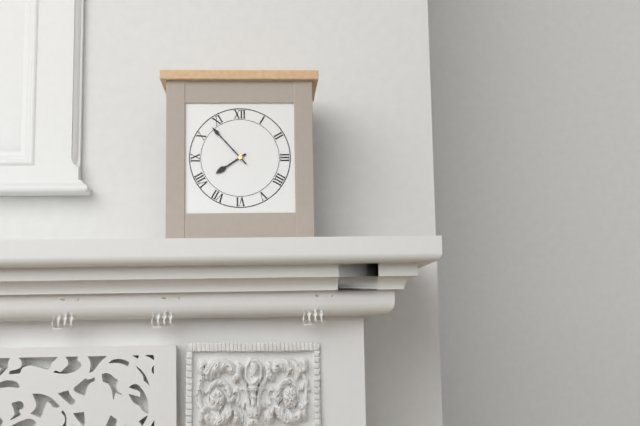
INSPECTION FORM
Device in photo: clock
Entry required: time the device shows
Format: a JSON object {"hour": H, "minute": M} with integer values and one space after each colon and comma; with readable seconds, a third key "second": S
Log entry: {"hour": 7, "minute": 53}
